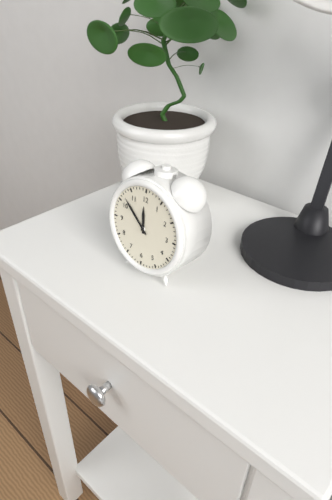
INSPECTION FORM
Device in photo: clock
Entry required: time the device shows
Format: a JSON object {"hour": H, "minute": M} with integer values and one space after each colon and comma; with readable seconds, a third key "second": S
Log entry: {"hour": 11, "minute": 52}
